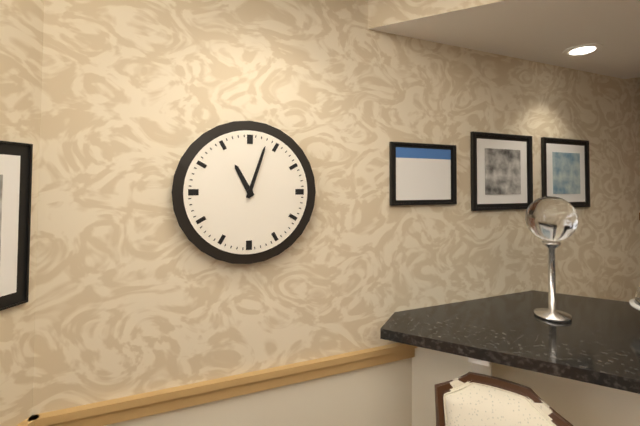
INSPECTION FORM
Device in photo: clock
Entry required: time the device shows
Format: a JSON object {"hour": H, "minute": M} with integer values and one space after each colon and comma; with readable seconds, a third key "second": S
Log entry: {"hour": 11, "minute": 3}
